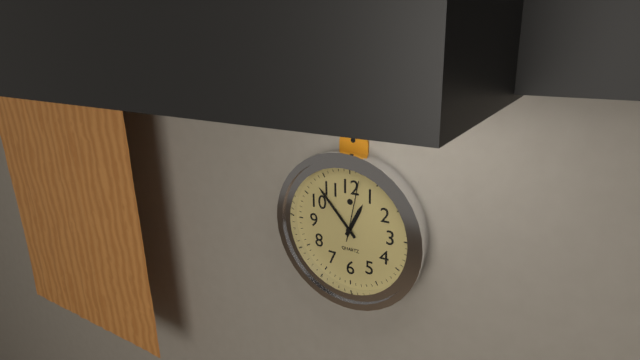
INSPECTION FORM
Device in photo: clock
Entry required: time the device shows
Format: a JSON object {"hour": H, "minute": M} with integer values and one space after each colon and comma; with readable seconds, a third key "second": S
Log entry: {"hour": 12, "minute": 53, "second": 2}
